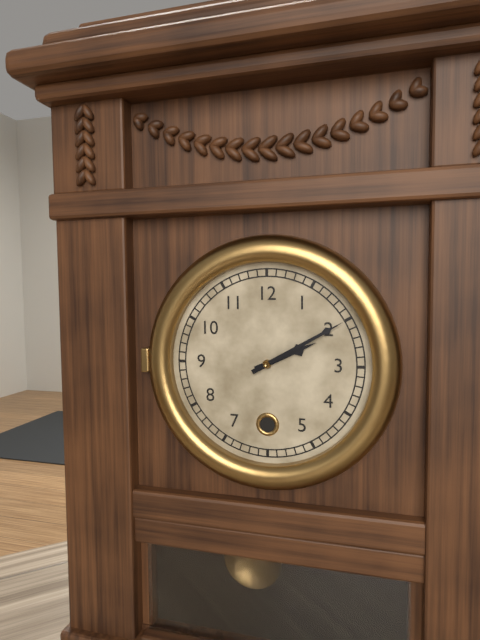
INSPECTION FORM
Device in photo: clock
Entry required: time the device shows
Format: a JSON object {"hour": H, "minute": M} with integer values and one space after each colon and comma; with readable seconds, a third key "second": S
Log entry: {"hour": 2, "minute": 10}
